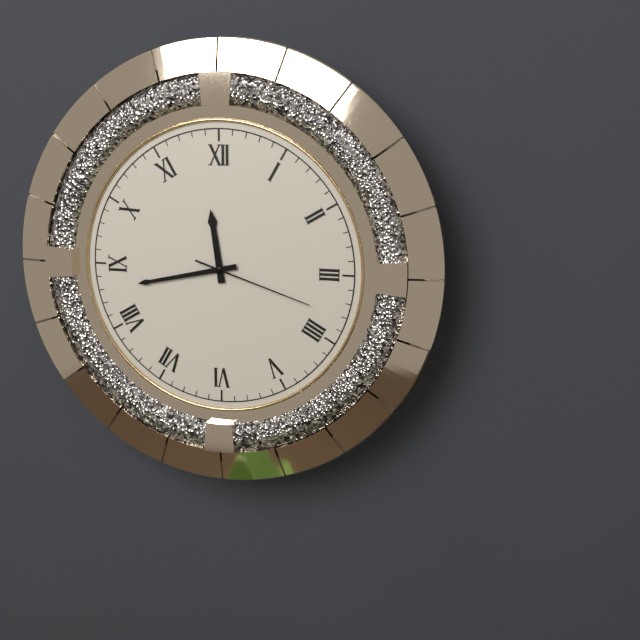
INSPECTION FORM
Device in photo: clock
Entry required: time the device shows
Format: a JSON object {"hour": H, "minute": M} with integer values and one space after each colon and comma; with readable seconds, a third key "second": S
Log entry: {"hour": 11, "minute": 43, "second": 18}
